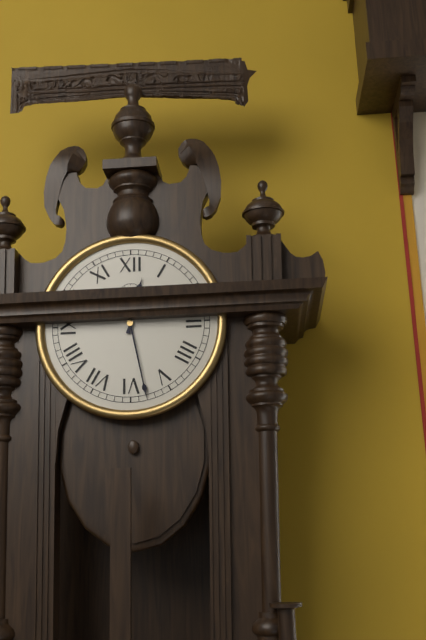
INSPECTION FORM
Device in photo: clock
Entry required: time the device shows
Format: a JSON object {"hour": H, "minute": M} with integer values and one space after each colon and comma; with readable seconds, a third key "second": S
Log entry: {"hour": 12, "minute": 28}
